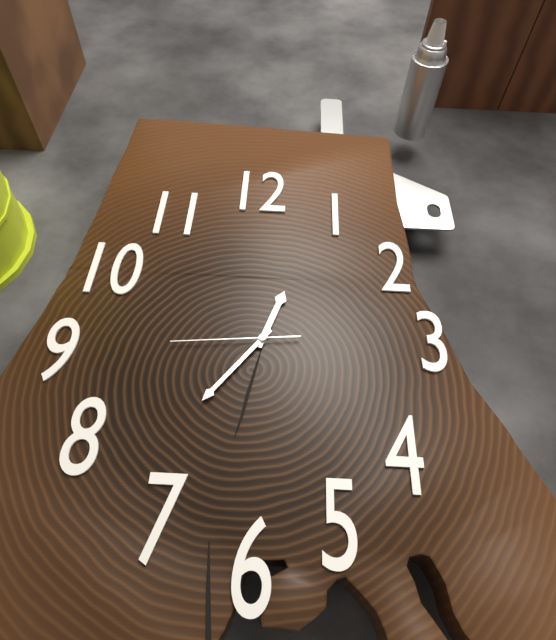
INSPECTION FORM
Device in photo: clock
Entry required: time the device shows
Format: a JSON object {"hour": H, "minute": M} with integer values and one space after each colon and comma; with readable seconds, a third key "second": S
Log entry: {"hour": 12, "minute": 36, "second": 44}
